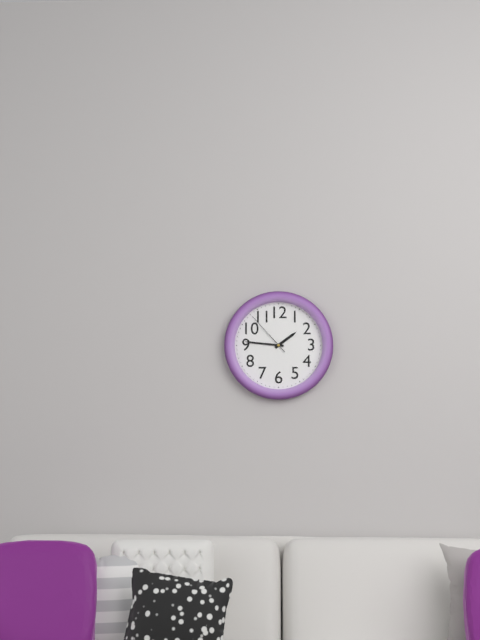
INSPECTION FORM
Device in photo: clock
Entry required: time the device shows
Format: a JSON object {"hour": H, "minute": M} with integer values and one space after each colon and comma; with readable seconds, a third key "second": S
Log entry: {"hour": 1, "minute": 46}
